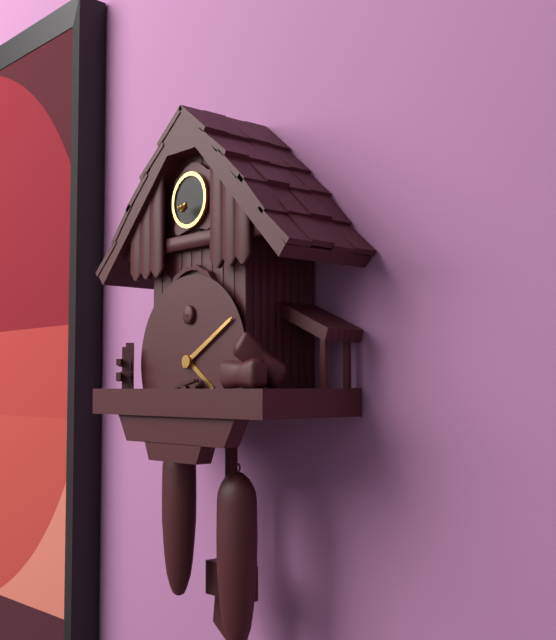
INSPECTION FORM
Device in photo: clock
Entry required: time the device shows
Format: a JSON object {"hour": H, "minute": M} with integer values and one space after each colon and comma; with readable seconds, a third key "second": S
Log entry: {"hour": 4, "minute": 10}
